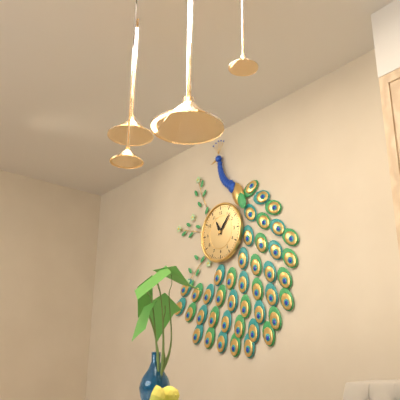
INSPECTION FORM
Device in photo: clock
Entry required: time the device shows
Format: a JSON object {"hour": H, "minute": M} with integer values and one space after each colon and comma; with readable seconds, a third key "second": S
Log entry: {"hour": 11, "minute": 7}
